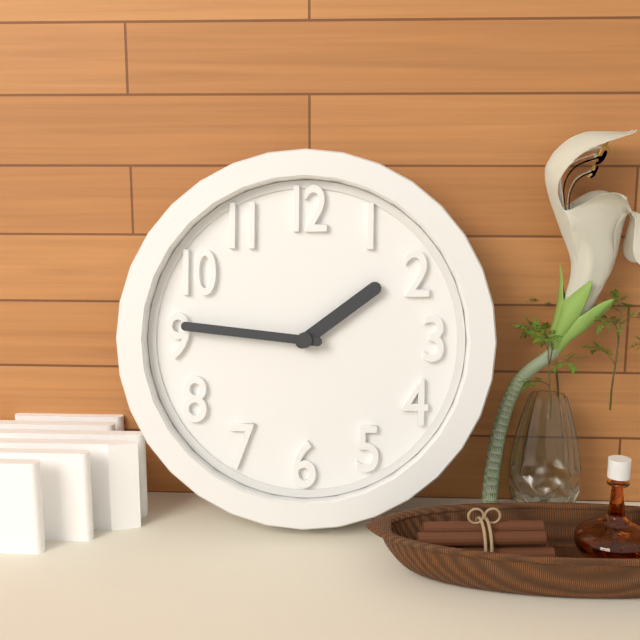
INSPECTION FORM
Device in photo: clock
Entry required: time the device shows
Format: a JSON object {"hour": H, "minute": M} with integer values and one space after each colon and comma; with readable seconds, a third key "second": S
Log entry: {"hour": 1, "minute": 46}
